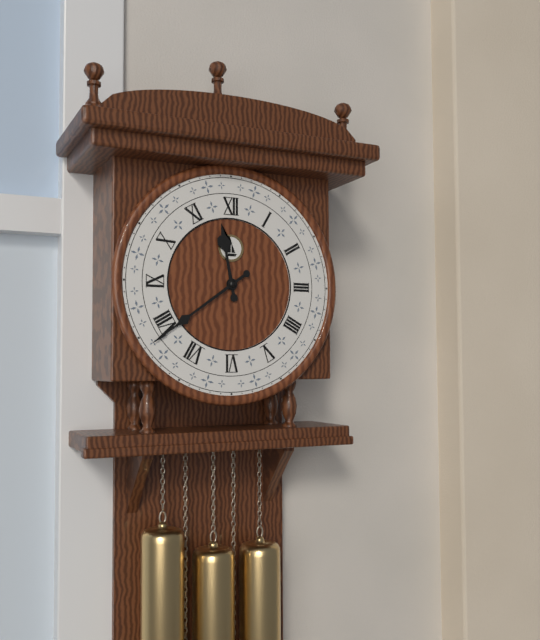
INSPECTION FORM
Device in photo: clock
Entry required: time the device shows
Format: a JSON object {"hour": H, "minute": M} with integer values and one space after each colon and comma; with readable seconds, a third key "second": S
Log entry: {"hour": 11, "minute": 39}
